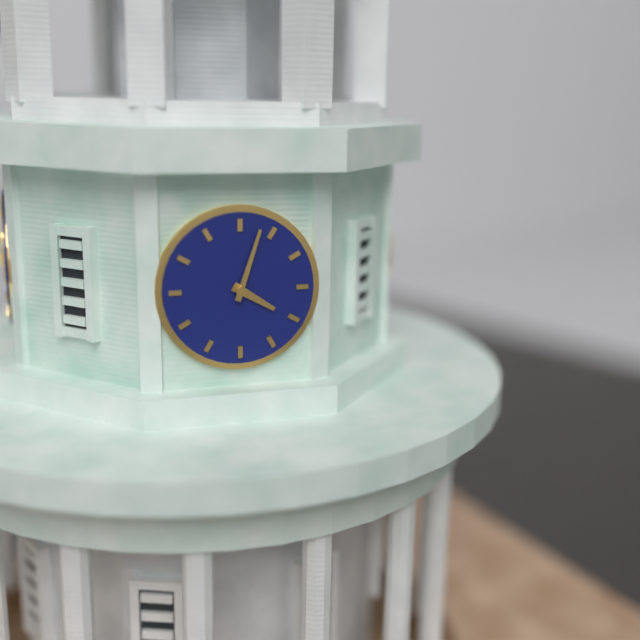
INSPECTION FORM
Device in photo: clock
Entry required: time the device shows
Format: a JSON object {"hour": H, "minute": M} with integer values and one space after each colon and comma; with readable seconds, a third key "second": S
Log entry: {"hour": 4, "minute": 3}
